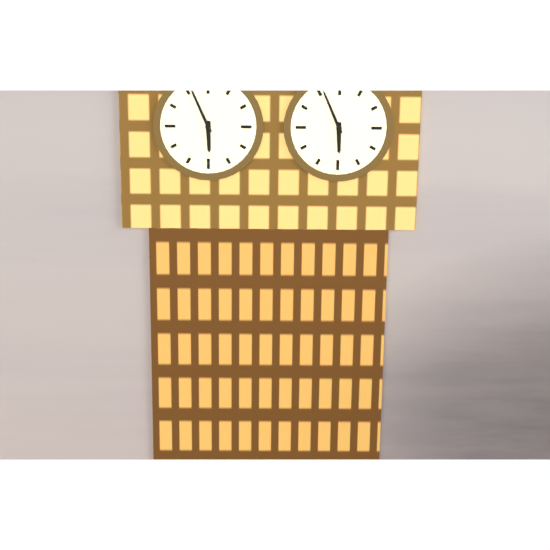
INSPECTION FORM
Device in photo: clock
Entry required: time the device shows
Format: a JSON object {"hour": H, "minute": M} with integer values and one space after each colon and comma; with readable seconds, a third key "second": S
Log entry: {"hour": 5, "minute": 56}
